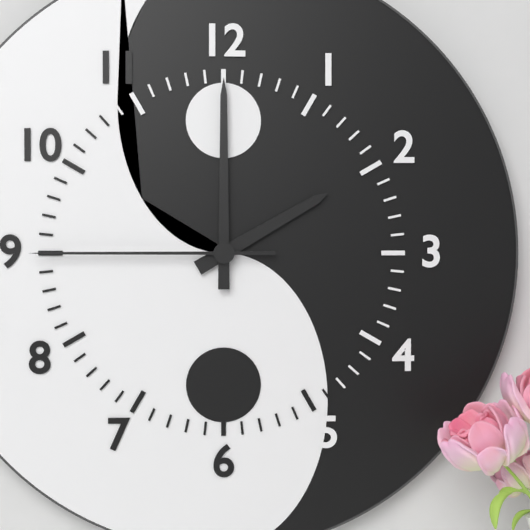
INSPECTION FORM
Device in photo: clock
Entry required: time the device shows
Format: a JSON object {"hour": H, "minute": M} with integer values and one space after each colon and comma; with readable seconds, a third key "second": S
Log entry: {"hour": 2, "minute": 0, "second": 45}
